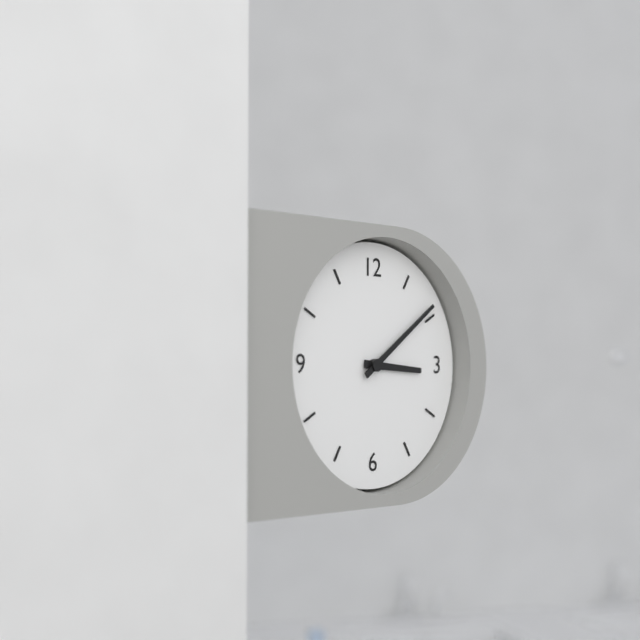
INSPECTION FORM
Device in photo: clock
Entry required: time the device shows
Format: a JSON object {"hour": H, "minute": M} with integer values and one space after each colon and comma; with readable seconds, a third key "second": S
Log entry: {"hour": 3, "minute": 9}
